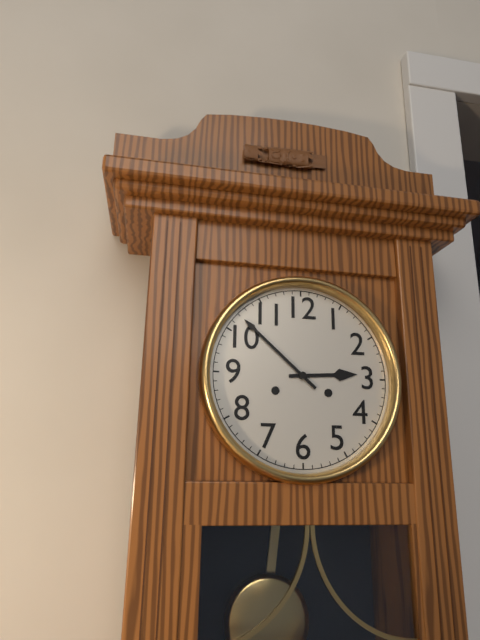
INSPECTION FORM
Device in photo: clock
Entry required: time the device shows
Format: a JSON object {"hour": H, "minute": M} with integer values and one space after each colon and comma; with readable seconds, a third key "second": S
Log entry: {"hour": 2, "minute": 52}
